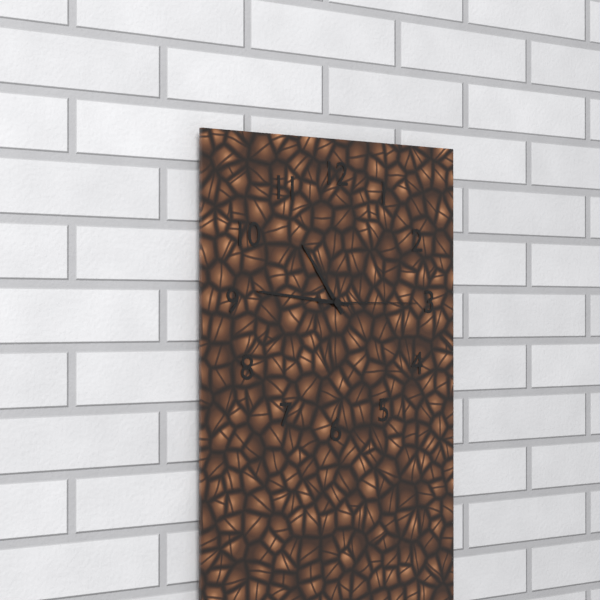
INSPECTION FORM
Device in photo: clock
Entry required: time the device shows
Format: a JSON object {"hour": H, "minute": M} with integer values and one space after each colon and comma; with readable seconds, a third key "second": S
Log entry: {"hour": 10, "minute": 46, "second": 15}
